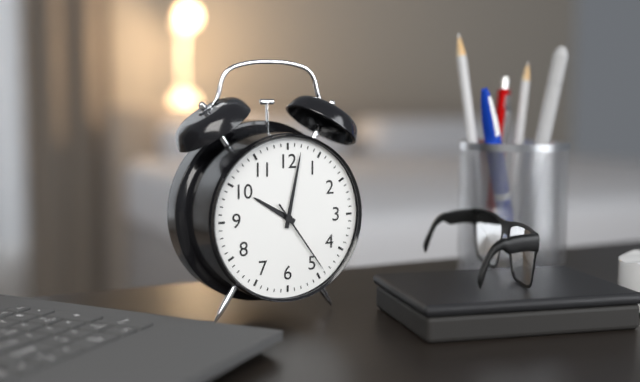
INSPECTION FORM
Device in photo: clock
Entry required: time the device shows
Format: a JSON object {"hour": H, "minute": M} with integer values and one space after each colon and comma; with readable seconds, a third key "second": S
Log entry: {"hour": 10, "minute": 2, "second": 24}
